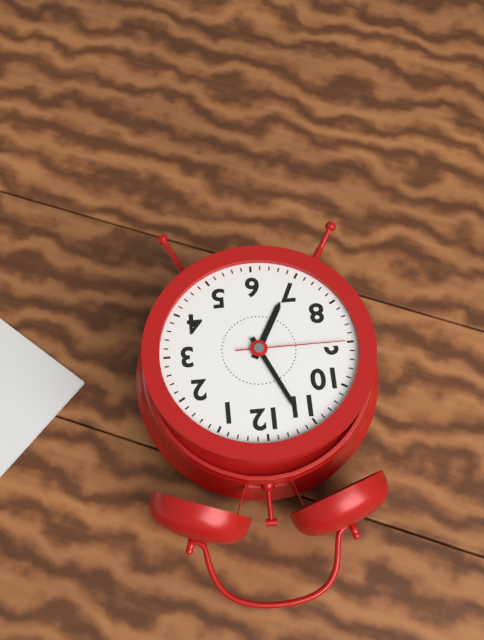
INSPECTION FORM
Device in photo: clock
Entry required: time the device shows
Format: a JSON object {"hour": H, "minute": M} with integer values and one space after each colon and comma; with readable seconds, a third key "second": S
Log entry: {"hour": 6, "minute": 56, "second": 45}
